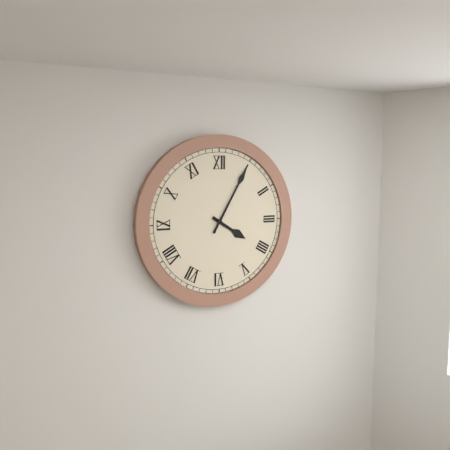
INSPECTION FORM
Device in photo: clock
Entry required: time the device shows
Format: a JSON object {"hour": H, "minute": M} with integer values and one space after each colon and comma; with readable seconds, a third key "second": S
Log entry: {"hour": 4, "minute": 5}
